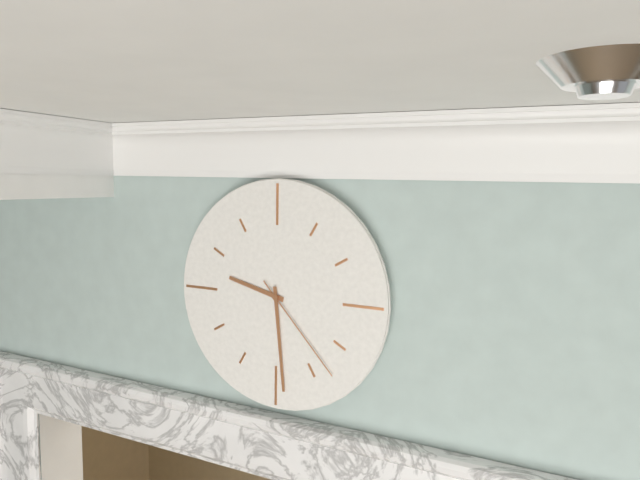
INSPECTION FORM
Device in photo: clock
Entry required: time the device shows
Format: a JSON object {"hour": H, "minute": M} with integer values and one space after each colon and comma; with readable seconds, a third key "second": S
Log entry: {"hour": 9, "minute": 29, "second": 23}
